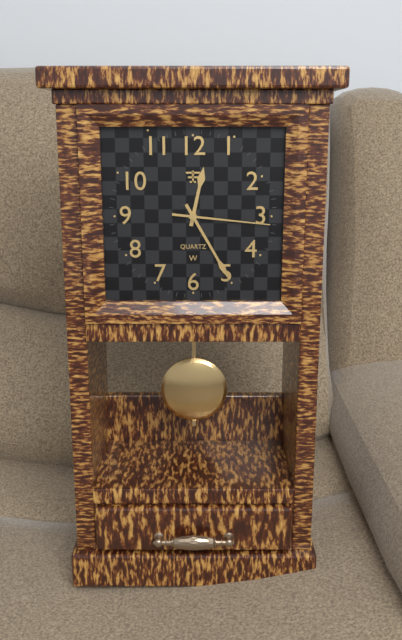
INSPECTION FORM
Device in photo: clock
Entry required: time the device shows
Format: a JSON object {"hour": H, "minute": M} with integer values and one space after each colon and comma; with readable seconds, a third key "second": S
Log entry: {"hour": 12, "minute": 25, "second": 16}
